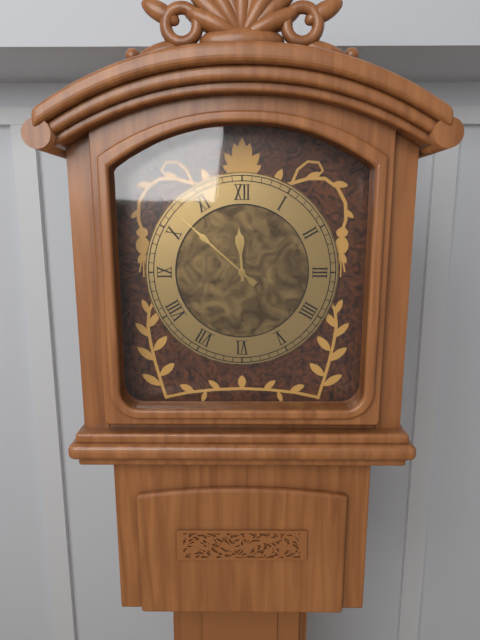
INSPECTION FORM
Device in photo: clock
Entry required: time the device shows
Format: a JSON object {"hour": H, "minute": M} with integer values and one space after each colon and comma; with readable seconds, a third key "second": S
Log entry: {"hour": 11, "minute": 52}
